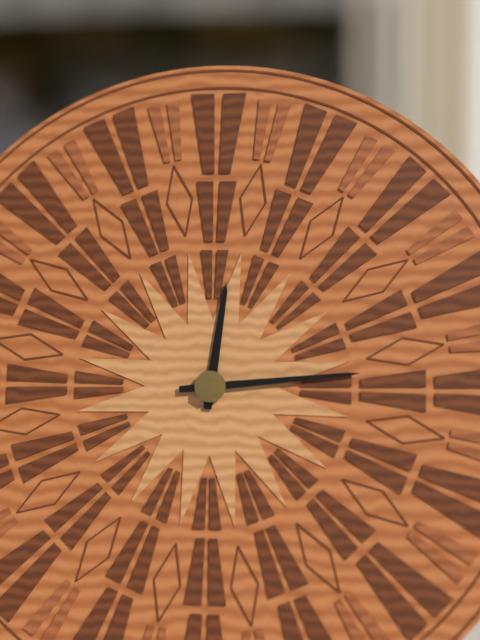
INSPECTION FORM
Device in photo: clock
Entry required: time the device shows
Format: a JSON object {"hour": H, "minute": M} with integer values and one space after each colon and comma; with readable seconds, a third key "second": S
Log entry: {"hour": 12, "minute": 14}
